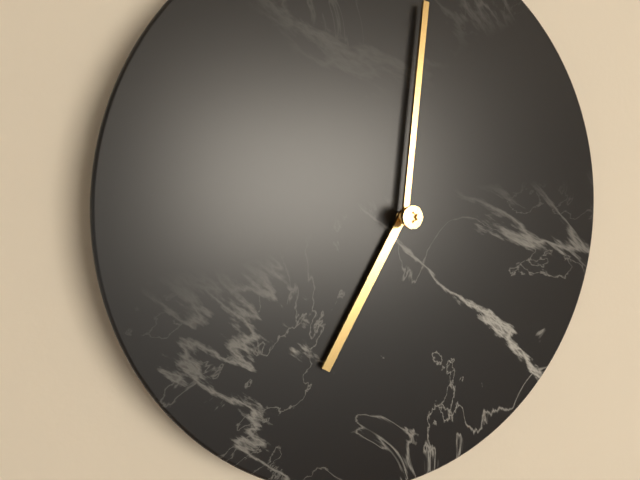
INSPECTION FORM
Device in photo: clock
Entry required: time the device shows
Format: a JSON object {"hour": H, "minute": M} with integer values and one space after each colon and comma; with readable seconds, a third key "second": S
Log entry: {"hour": 7, "minute": 1}
